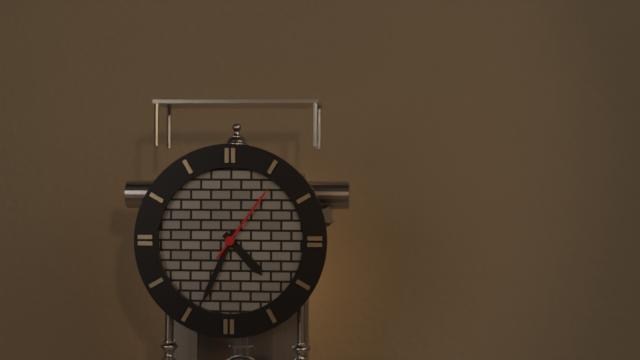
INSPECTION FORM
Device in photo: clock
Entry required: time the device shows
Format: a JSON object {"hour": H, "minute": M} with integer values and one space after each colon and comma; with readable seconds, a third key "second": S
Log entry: {"hour": 4, "minute": 34, "second": 6}
